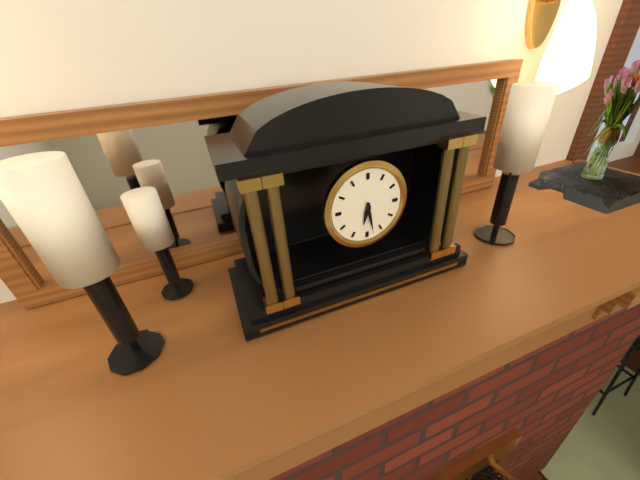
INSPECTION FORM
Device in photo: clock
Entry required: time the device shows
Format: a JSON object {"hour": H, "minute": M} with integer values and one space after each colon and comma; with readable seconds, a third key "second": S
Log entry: {"hour": 6, "minute": 28}
